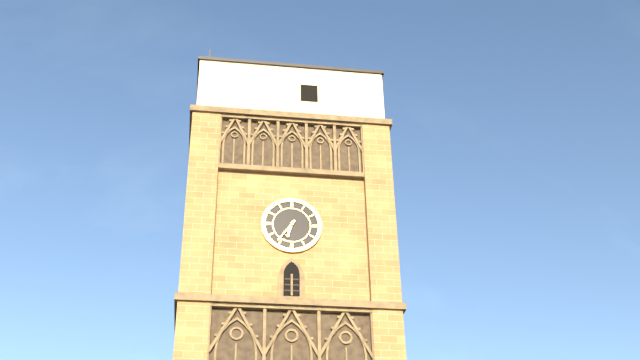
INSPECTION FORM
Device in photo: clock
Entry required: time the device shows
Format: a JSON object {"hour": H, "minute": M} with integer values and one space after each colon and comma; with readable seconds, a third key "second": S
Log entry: {"hour": 6, "minute": 36}
